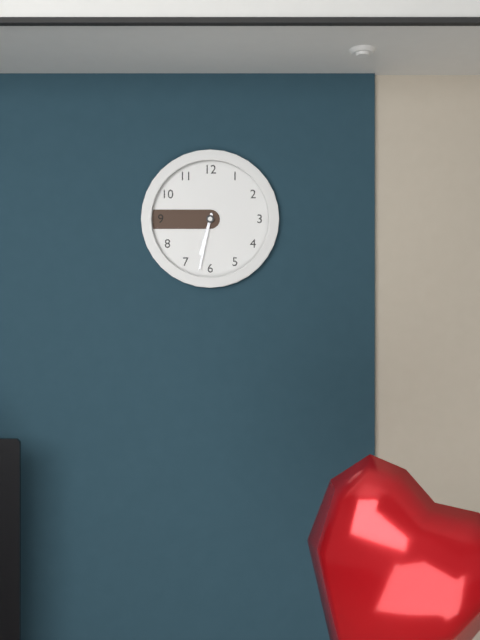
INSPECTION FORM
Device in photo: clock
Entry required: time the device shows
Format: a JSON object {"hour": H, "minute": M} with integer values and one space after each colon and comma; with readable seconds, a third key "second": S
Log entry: {"hour": 6, "minute": 32}
